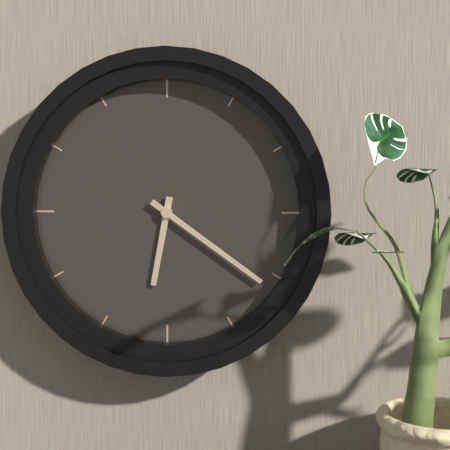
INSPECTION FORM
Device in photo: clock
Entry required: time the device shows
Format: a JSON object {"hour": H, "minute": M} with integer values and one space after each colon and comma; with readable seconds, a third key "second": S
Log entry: {"hour": 6, "minute": 21}
